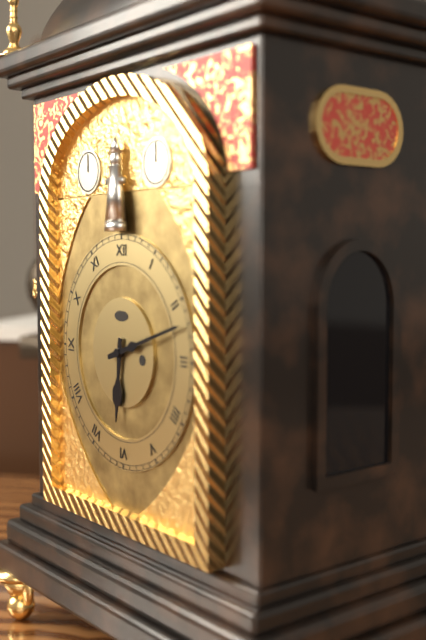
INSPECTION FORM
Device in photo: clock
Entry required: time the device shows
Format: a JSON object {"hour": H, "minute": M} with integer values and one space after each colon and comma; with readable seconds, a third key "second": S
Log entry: {"hour": 6, "minute": 12}
